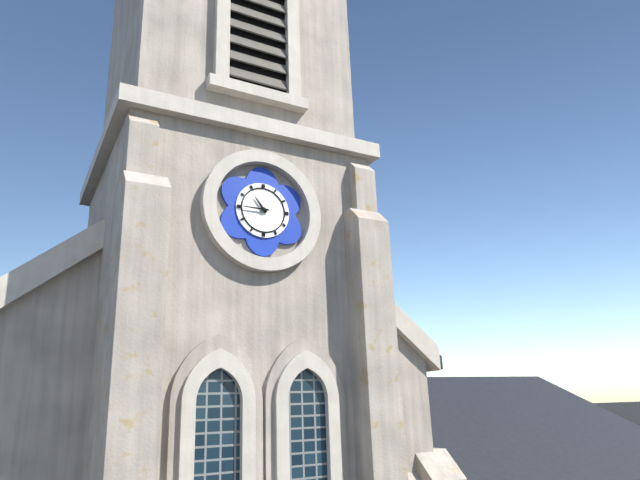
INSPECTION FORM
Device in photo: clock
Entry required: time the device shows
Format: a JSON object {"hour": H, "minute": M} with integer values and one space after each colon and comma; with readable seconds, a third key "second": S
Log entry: {"hour": 10, "minute": 45}
